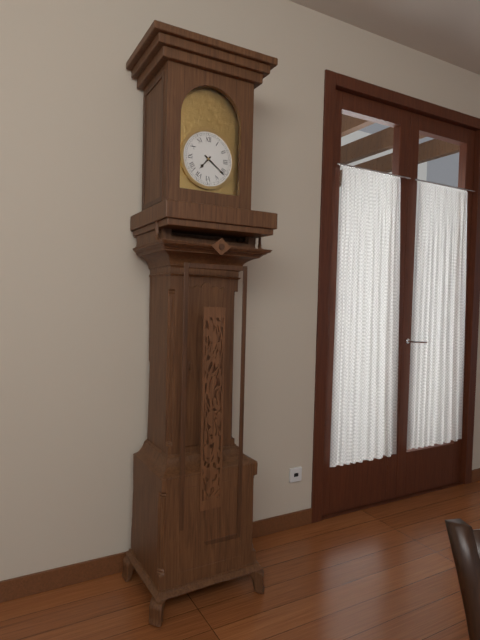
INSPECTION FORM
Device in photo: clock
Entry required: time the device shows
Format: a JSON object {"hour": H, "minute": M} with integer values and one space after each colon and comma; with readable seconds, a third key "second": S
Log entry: {"hour": 7, "minute": 21}
